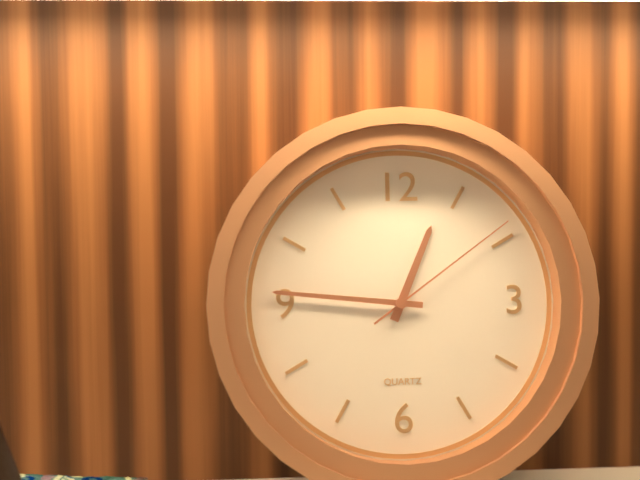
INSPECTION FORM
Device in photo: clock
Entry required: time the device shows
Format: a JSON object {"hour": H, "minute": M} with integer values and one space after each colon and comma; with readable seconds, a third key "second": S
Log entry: {"hour": 12, "minute": 46, "second": 9}
